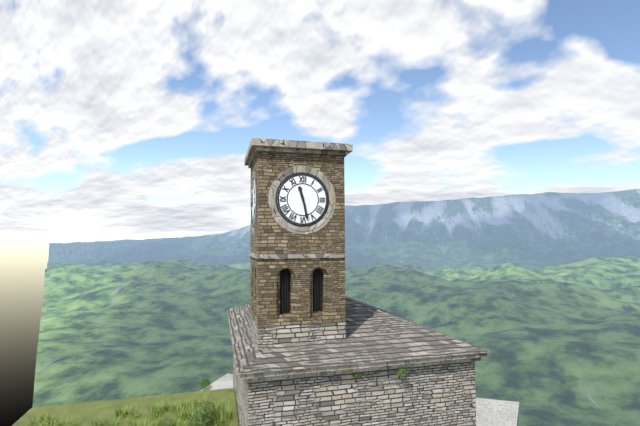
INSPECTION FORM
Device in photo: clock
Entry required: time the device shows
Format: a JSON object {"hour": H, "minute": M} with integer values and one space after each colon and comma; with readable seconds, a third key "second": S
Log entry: {"hour": 11, "minute": 28}
